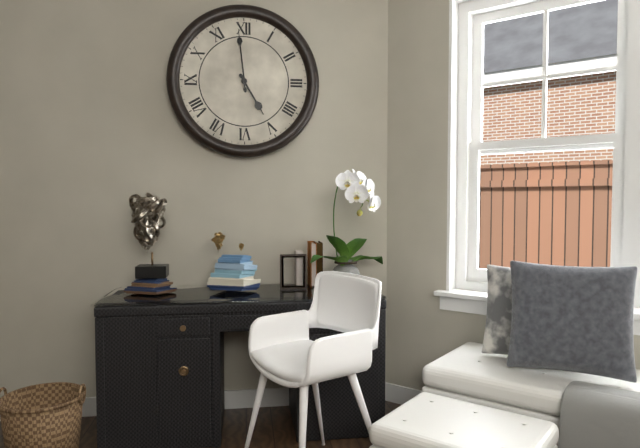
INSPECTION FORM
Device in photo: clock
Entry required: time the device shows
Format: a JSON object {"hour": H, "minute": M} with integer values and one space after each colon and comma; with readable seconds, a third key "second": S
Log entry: {"hour": 4, "minute": 59}
